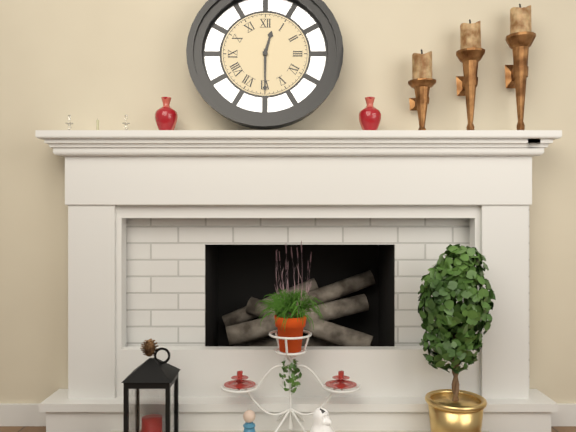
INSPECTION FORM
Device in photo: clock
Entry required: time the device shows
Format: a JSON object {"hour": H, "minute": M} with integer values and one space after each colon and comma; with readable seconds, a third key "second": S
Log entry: {"hour": 12, "minute": 30}
